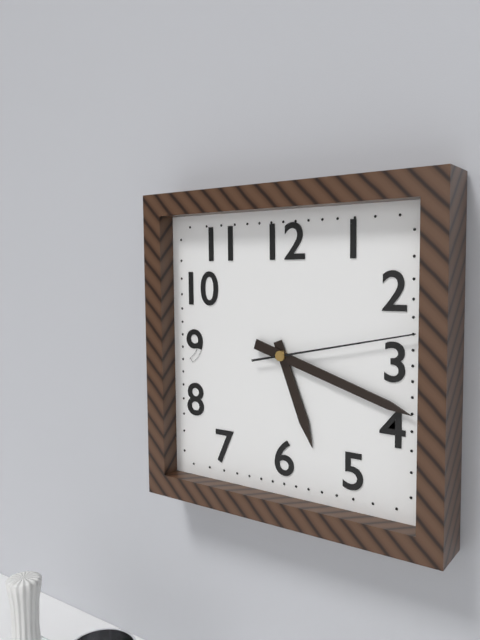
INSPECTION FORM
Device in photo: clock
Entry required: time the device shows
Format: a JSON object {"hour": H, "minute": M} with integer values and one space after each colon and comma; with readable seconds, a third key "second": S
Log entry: {"hour": 5, "minute": 18, "second": 13}
